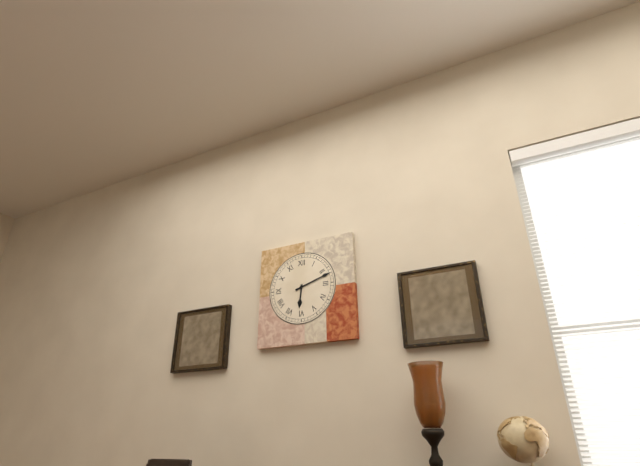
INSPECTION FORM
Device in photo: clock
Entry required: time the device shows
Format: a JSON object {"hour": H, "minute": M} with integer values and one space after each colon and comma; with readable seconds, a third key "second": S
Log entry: {"hour": 6, "minute": 12}
